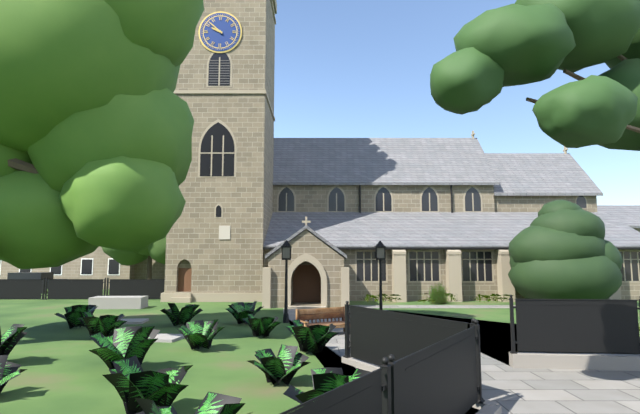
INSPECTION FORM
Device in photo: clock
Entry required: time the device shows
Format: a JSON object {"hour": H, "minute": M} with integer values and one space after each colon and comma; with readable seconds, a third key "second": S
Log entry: {"hour": 9, "minute": 52}
